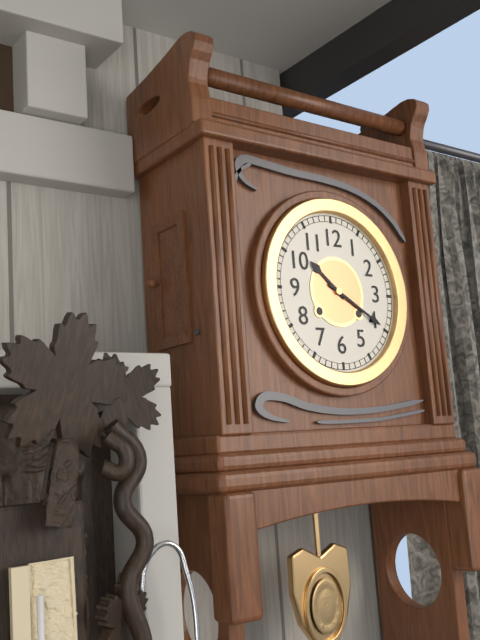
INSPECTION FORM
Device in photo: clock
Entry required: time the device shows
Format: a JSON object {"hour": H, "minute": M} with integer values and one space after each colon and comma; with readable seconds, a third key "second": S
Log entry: {"hour": 10, "minute": 20}
